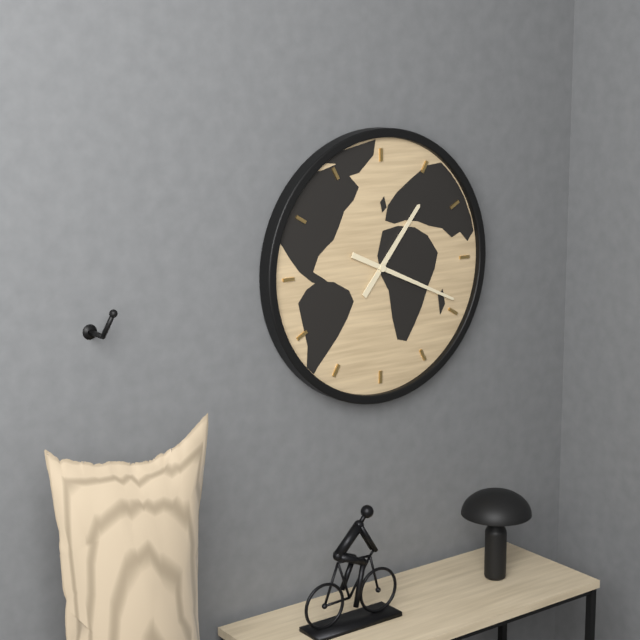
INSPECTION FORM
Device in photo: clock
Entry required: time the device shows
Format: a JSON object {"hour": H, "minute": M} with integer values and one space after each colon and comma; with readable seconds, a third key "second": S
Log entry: {"hour": 1, "minute": 19}
